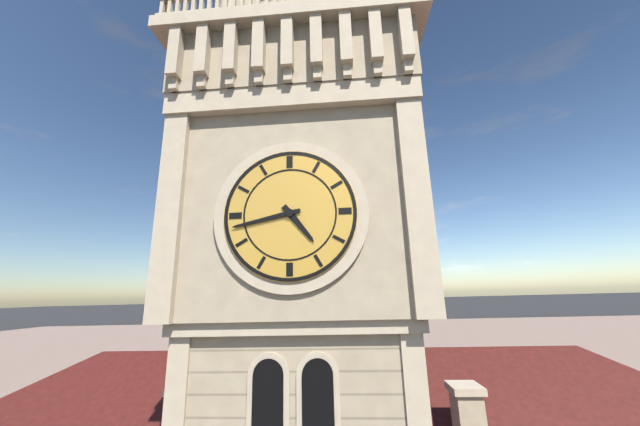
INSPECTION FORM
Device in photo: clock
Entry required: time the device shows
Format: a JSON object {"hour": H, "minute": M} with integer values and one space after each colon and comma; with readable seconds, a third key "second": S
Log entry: {"hour": 4, "minute": 43}
